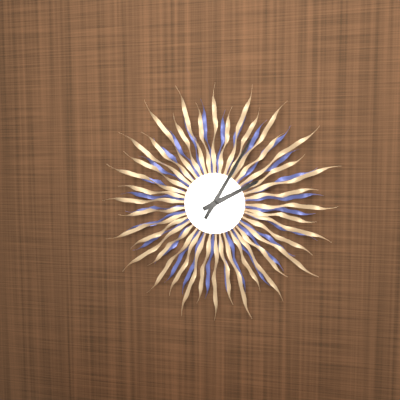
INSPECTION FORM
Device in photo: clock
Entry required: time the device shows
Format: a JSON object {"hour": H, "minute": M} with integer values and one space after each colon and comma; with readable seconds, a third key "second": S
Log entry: {"hour": 2, "minute": 5}
